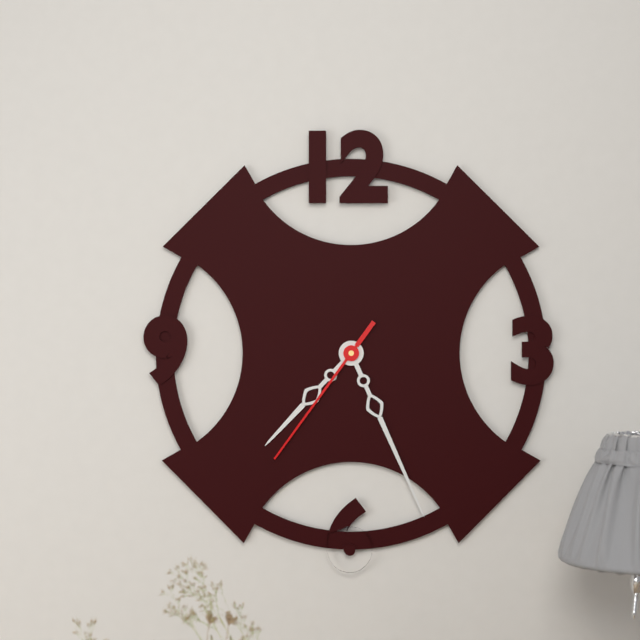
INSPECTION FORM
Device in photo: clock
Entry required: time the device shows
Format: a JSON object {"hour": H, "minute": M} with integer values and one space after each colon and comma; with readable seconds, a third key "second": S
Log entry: {"hour": 7, "minute": 26, "second": 36}
